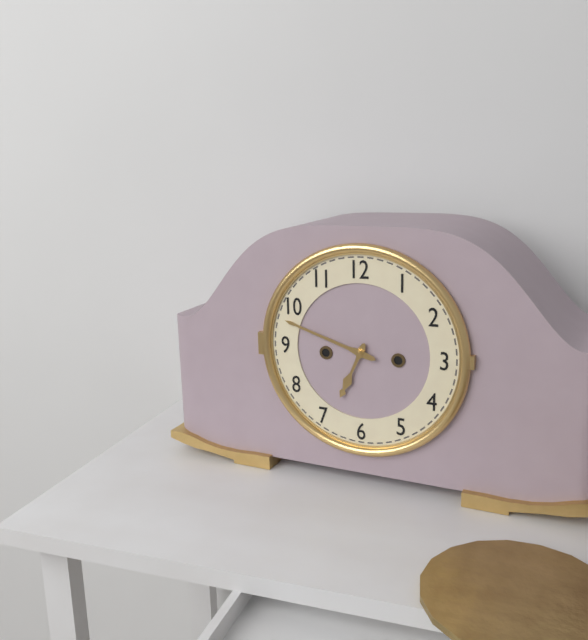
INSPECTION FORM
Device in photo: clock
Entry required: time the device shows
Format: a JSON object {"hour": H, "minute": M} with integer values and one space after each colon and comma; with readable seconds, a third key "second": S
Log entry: {"hour": 6, "minute": 48}
